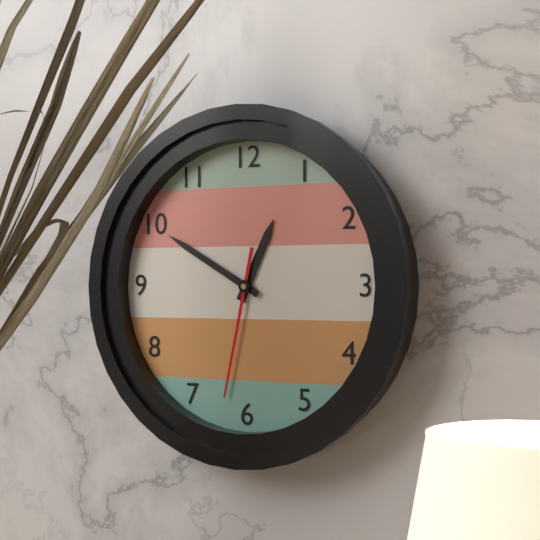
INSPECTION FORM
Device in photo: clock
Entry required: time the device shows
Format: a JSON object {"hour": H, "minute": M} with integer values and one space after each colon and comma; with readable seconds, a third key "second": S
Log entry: {"hour": 12, "minute": 50, "second": 32}
